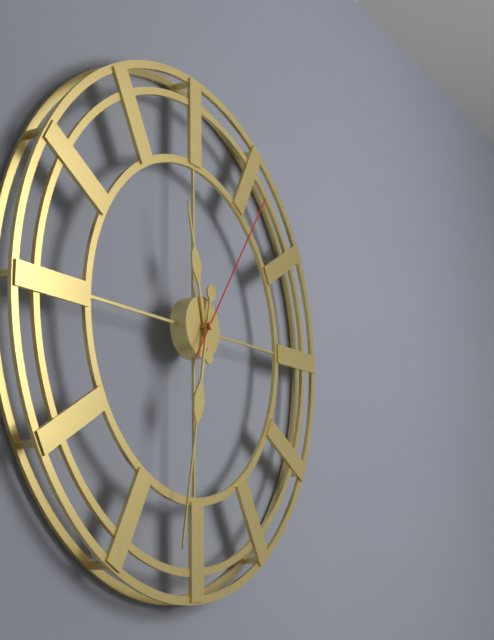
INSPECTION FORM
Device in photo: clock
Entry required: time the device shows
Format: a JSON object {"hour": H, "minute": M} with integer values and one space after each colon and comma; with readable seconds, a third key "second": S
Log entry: {"hour": 11, "minute": 32, "second": 6}
